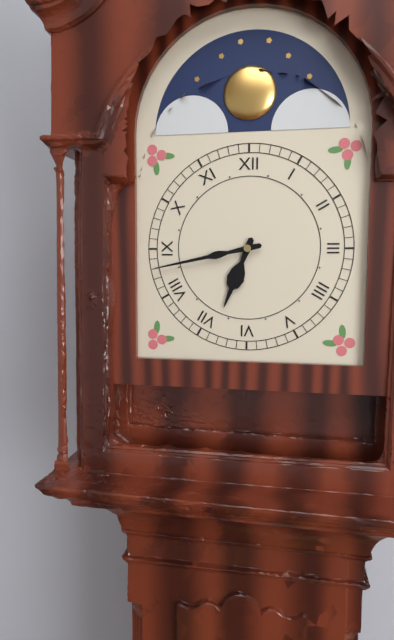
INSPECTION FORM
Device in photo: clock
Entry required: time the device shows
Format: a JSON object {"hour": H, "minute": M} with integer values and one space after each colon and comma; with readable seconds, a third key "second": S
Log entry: {"hour": 6, "minute": 43}
